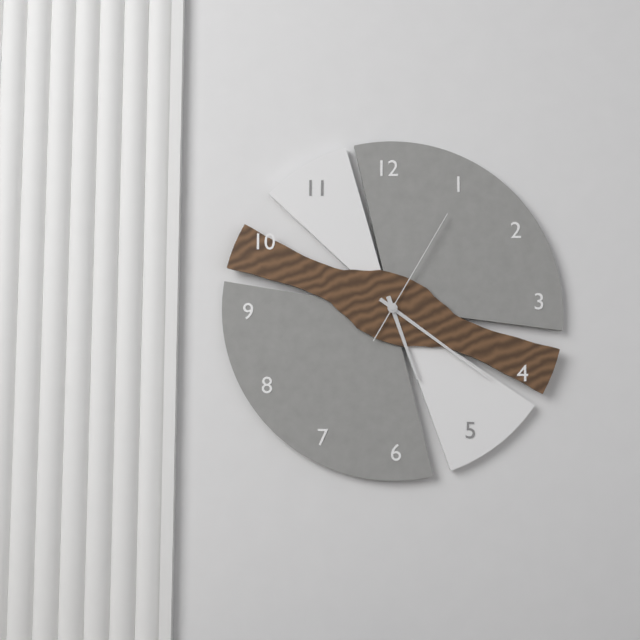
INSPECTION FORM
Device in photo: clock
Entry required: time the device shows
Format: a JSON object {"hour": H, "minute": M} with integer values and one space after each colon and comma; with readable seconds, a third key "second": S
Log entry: {"hour": 5, "minute": 21, "second": 5}
